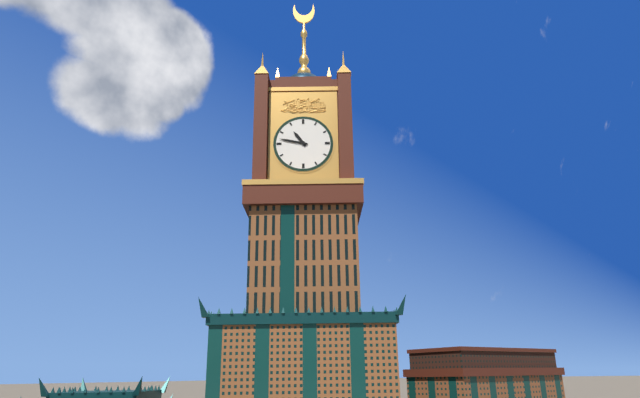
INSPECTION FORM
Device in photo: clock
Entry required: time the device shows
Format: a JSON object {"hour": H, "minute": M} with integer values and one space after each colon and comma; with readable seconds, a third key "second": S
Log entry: {"hour": 10, "minute": 47}
